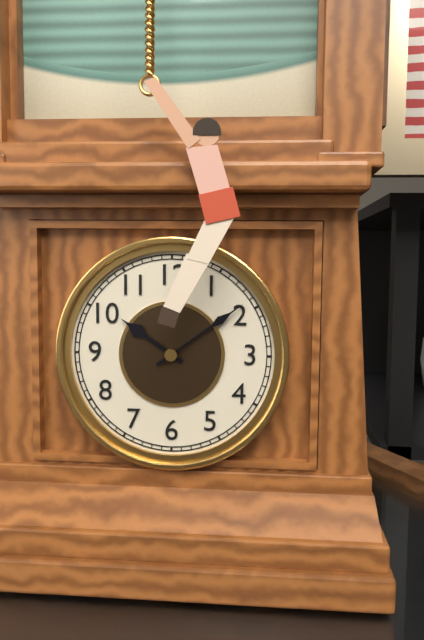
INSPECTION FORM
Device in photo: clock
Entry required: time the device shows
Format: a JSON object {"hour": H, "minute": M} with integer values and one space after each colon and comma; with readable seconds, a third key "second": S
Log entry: {"hour": 10, "minute": 9}
